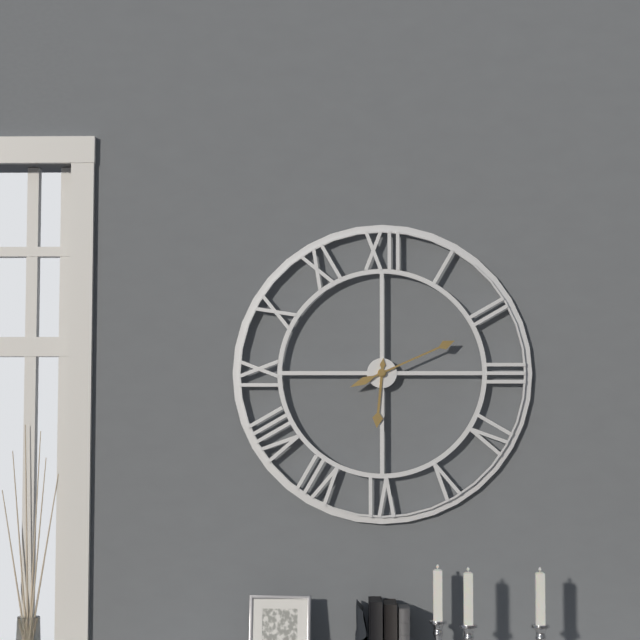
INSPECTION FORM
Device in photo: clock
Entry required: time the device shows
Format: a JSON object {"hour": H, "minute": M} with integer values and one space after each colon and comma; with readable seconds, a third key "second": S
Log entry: {"hour": 6, "minute": 11}
